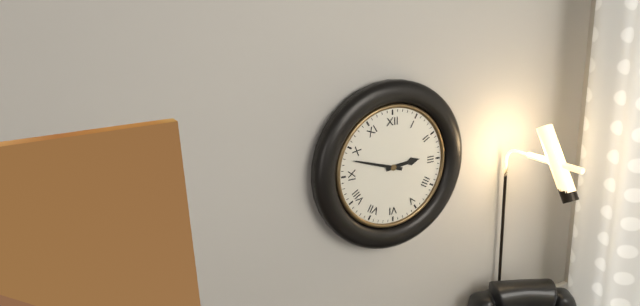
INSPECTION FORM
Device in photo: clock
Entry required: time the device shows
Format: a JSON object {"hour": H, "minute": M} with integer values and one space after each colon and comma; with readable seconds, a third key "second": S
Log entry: {"hour": 2, "minute": 48}
